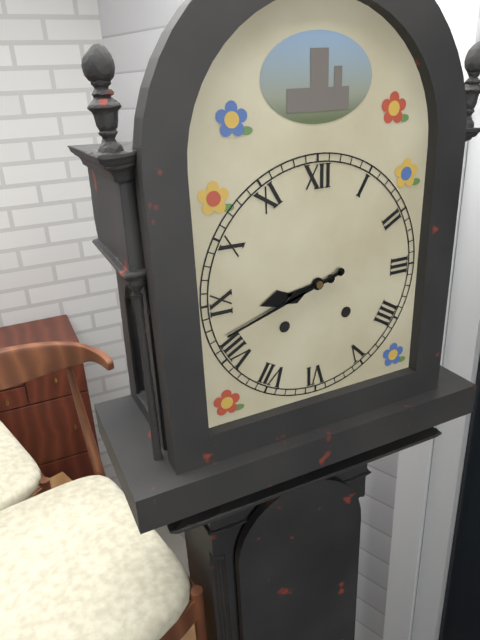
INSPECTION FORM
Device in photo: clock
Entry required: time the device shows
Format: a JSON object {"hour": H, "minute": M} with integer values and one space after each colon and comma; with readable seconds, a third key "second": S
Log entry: {"hour": 8, "minute": 42}
